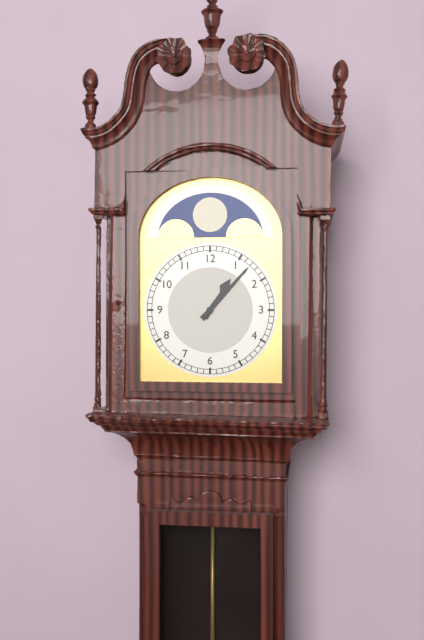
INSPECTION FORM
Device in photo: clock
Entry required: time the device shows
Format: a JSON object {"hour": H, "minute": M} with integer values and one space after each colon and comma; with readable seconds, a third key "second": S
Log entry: {"hour": 1, "minute": 7}
